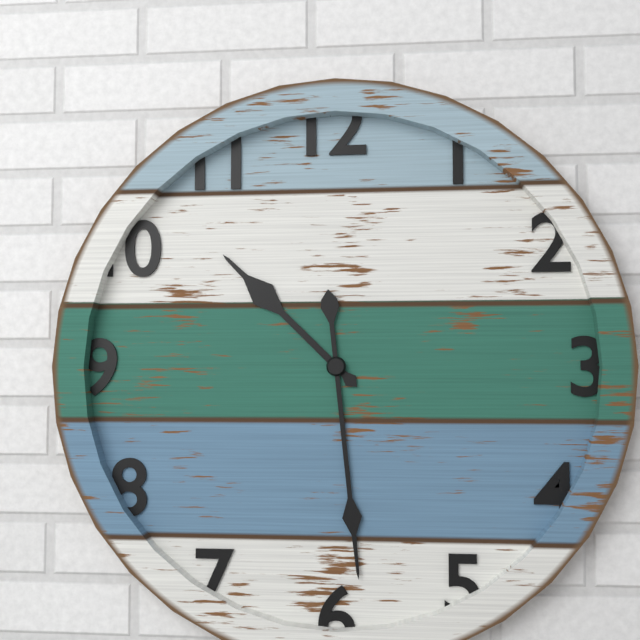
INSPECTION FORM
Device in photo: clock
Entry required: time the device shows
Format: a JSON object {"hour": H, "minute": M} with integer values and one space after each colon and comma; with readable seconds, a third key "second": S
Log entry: {"hour": 10, "minute": 29}
